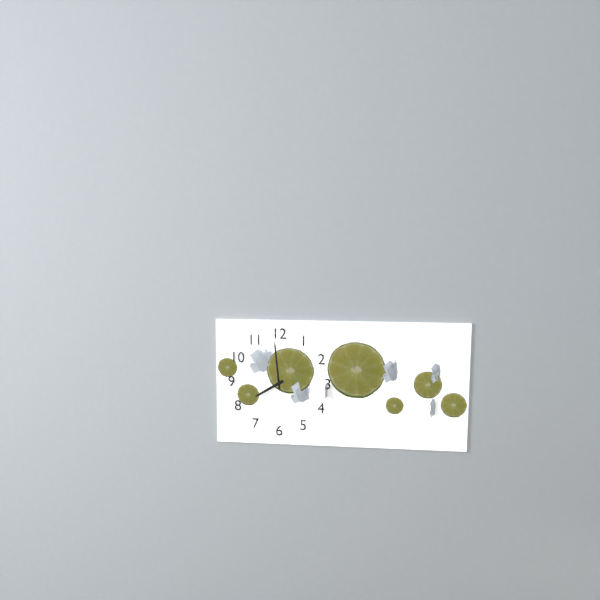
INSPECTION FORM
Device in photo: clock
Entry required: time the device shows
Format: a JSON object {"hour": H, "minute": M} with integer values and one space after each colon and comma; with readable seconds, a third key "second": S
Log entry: {"hour": 7, "minute": 59}
